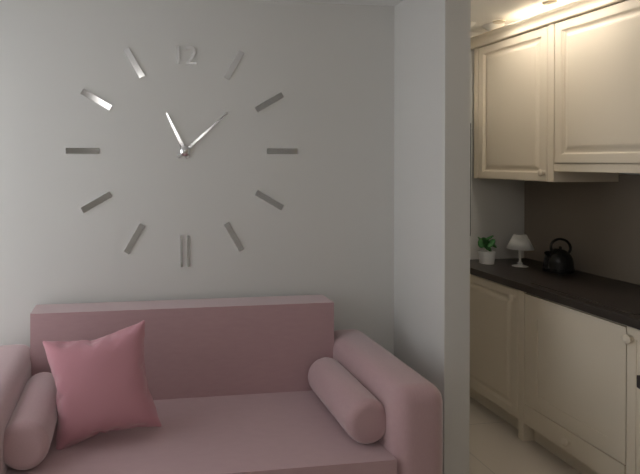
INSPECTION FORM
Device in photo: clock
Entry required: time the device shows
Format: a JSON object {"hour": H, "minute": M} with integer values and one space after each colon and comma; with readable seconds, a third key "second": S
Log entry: {"hour": 11, "minute": 8}
